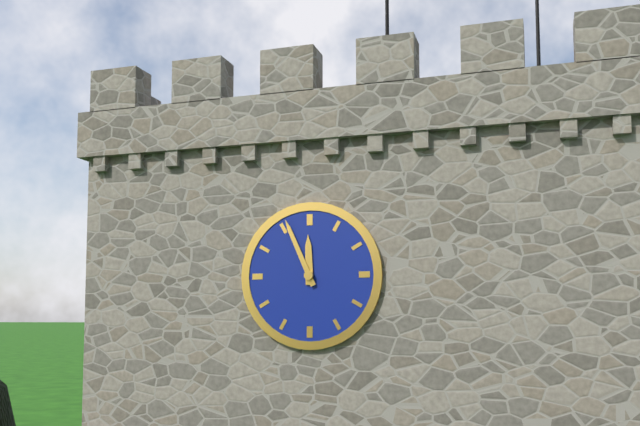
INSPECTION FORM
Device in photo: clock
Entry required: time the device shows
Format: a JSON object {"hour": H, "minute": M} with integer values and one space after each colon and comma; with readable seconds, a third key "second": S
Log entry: {"hour": 11, "minute": 56}
